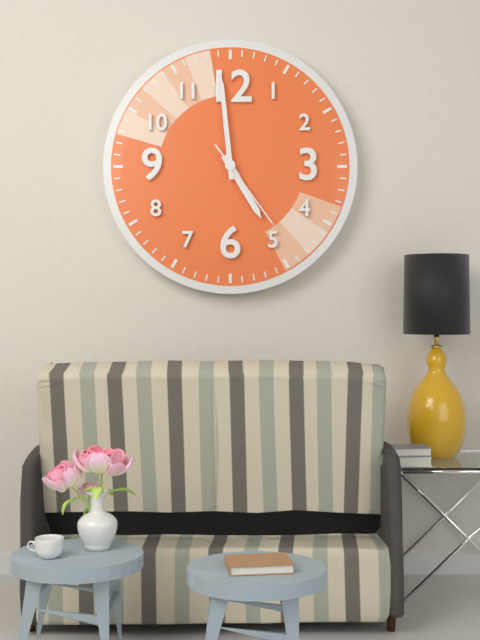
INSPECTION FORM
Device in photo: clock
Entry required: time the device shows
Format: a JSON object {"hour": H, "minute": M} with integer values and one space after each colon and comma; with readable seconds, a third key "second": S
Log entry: {"hour": 4, "minute": 59, "second": 24}
